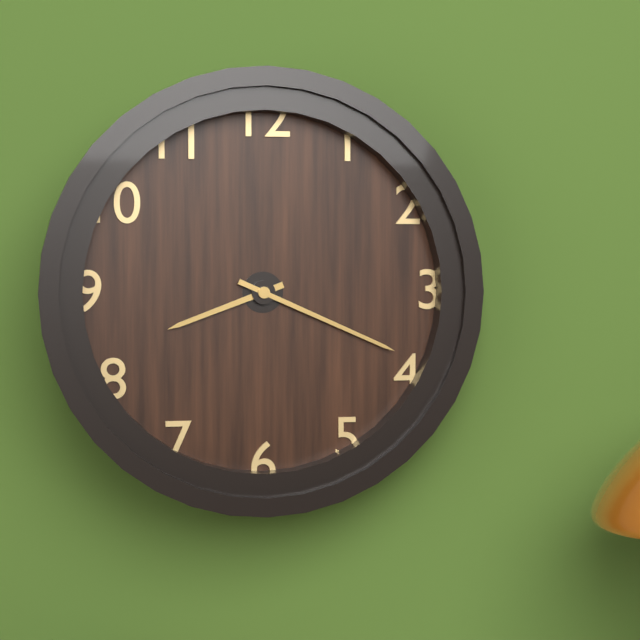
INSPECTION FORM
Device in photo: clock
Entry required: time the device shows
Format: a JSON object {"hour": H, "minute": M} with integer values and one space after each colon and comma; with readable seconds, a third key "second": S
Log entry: {"hour": 8, "minute": 19}
